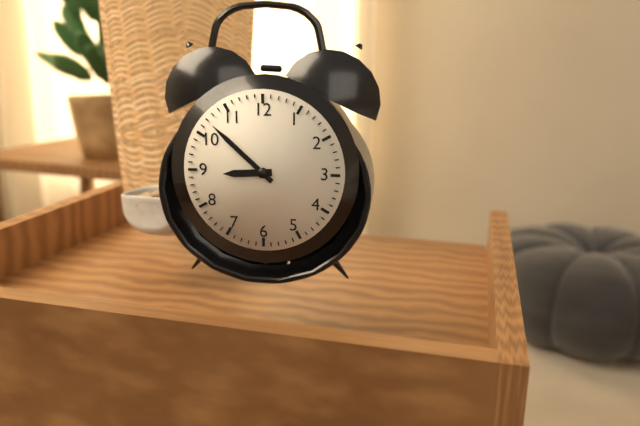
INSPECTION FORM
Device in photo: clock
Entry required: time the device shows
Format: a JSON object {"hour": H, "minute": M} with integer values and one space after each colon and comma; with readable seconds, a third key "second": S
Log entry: {"hour": 8, "minute": 52}
